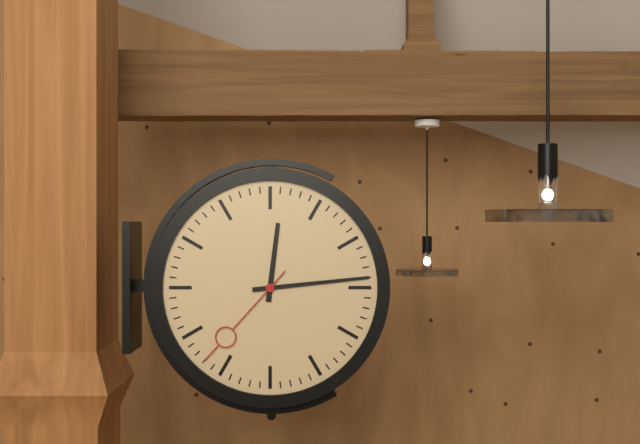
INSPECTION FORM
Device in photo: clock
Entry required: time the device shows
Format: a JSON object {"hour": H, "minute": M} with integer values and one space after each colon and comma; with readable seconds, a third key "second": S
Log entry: {"hour": 12, "minute": 14, "second": 37}
